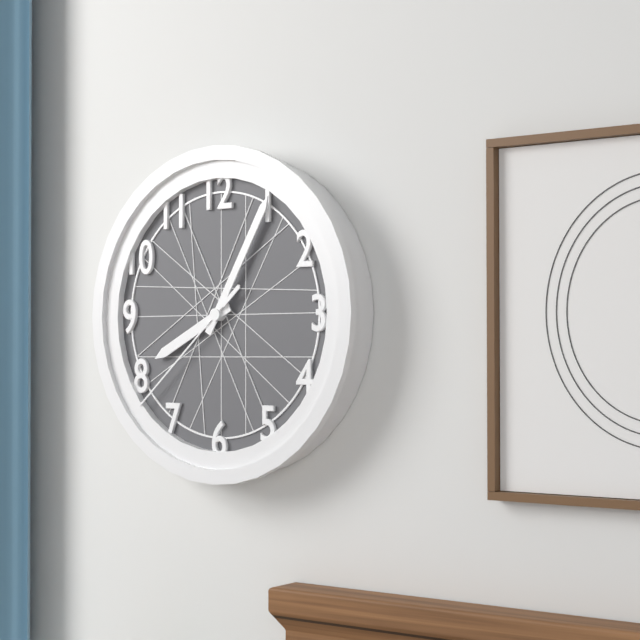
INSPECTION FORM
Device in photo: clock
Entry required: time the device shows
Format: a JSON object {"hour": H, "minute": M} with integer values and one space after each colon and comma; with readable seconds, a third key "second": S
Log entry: {"hour": 8, "minute": 5, "second": 38}
